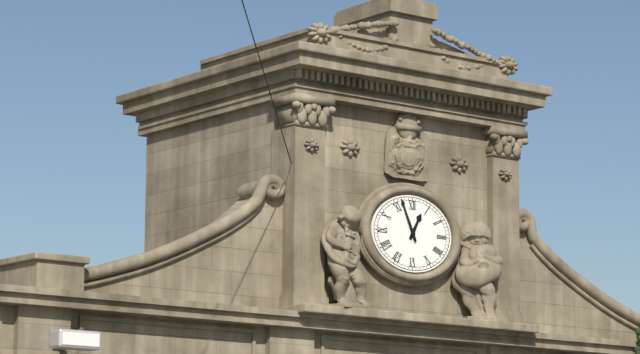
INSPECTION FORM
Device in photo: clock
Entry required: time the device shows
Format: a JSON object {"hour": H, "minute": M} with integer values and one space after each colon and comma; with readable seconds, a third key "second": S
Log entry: {"hour": 12, "minute": 56}
